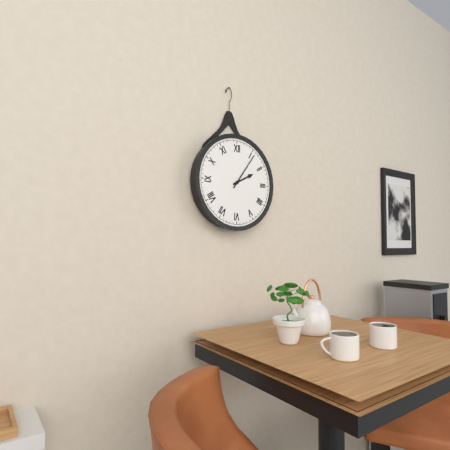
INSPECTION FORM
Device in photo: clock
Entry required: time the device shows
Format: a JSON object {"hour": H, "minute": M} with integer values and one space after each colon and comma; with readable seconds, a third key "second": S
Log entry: {"hour": 2, "minute": 6}
